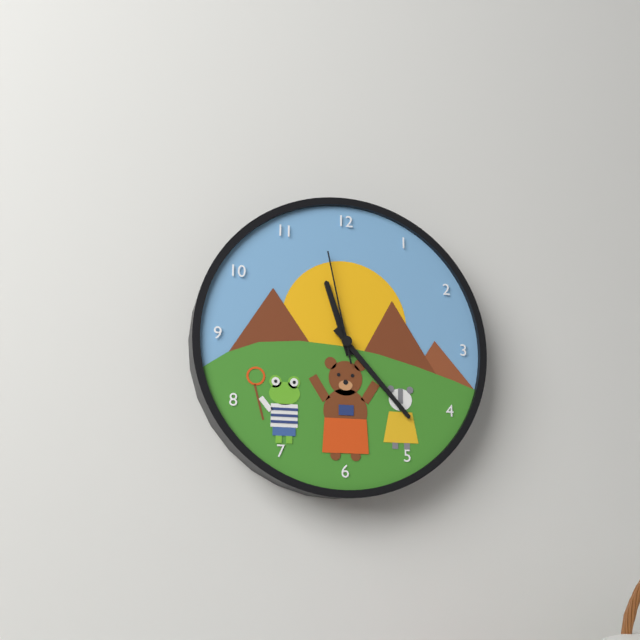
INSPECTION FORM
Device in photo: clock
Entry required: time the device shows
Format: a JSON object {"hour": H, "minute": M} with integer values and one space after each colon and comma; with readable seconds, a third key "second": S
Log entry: {"hour": 11, "minute": 23, "second": 58}
